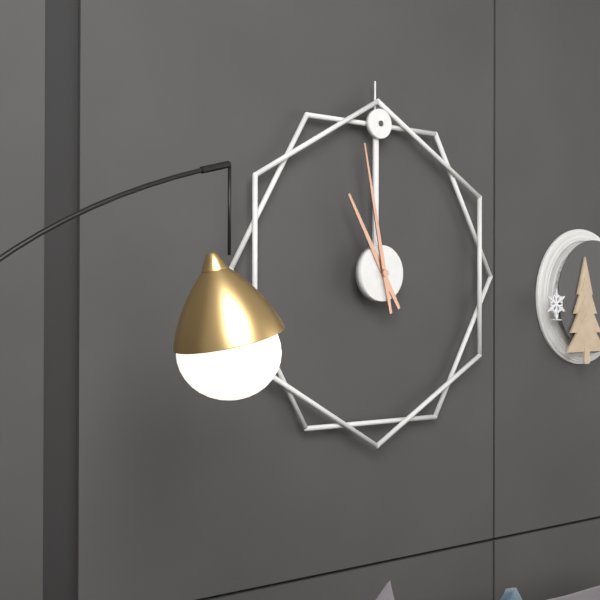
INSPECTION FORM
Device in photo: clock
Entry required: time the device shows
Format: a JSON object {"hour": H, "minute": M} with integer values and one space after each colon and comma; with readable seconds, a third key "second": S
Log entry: {"hour": 10, "minute": 58}
